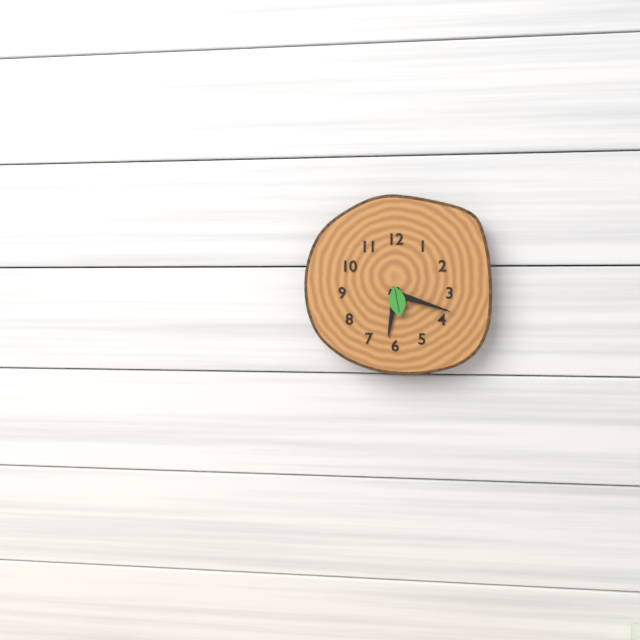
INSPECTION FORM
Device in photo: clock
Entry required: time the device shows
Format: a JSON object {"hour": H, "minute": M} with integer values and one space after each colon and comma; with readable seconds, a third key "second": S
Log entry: {"hour": 6, "minute": 18}
